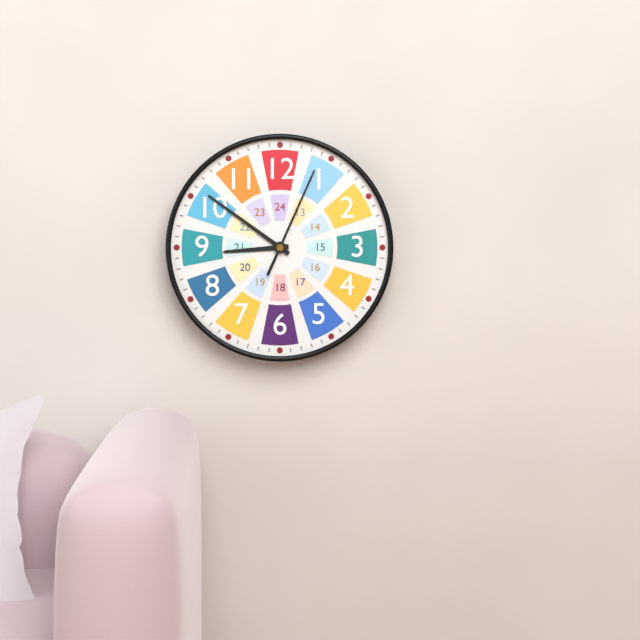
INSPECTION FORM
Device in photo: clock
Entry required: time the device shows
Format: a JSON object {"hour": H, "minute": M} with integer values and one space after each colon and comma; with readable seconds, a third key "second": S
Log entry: {"hour": 8, "minute": 51, "second": 4}
